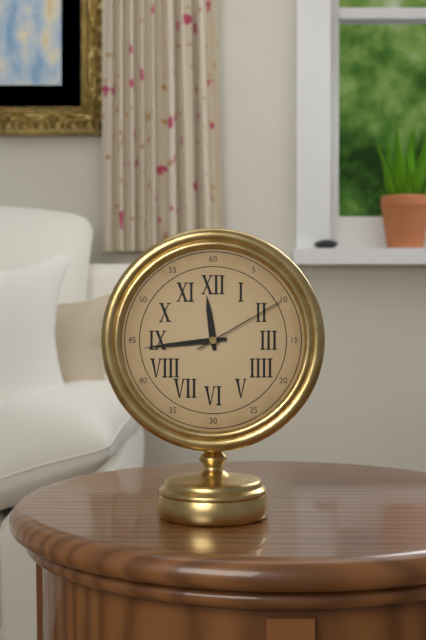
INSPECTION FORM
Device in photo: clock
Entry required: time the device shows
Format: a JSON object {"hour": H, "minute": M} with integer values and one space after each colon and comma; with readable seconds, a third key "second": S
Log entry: {"hour": 11, "minute": 44, "second": 10}
